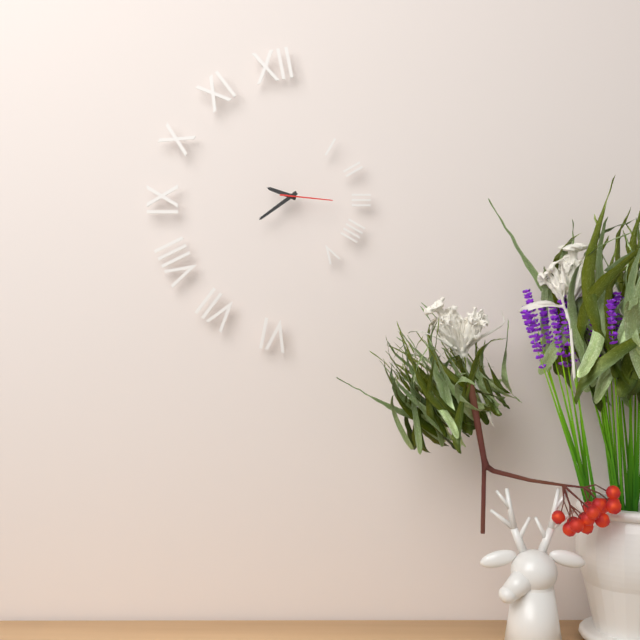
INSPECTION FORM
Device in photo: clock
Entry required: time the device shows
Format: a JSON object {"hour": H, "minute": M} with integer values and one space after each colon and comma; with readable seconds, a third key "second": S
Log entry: {"hour": 9, "minute": 39, "second": 16}
